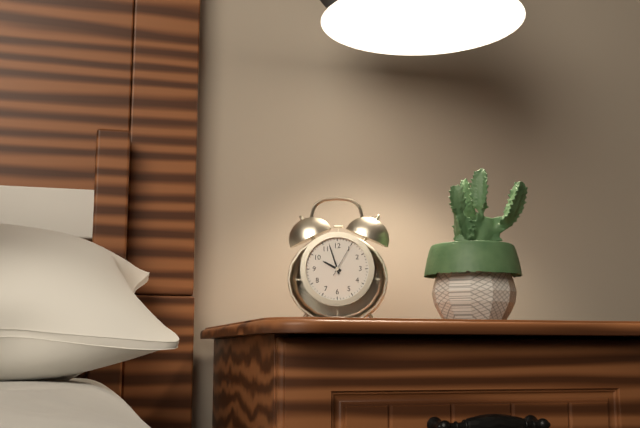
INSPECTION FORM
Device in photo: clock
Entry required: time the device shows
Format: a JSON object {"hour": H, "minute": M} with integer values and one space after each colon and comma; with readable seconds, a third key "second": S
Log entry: {"hour": 9, "minute": 57}
